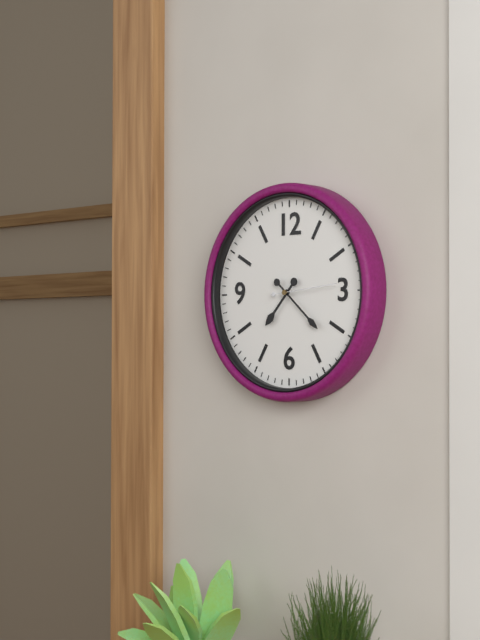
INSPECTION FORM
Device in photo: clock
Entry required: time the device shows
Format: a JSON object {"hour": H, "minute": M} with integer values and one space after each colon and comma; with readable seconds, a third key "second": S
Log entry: {"hour": 7, "minute": 22}
